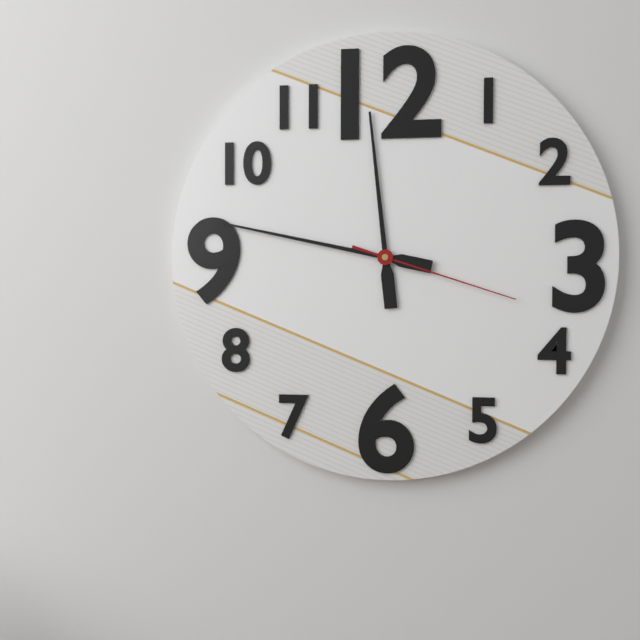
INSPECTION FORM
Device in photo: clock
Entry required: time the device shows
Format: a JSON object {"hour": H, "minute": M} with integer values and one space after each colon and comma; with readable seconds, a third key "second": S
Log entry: {"hour": 11, "minute": 47, "second": 18}
